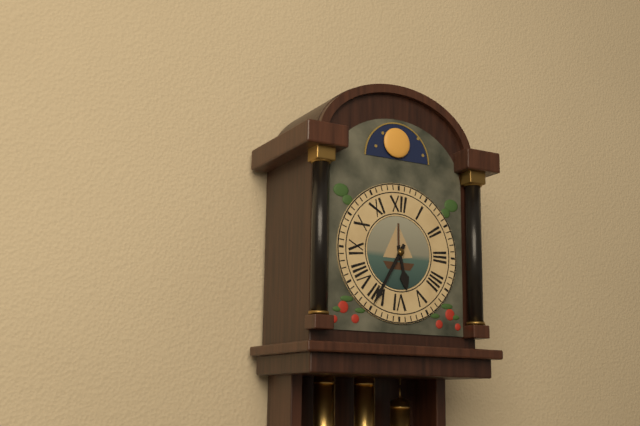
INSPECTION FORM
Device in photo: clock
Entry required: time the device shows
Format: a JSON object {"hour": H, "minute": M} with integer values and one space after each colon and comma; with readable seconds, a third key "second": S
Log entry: {"hour": 5, "minute": 35}
